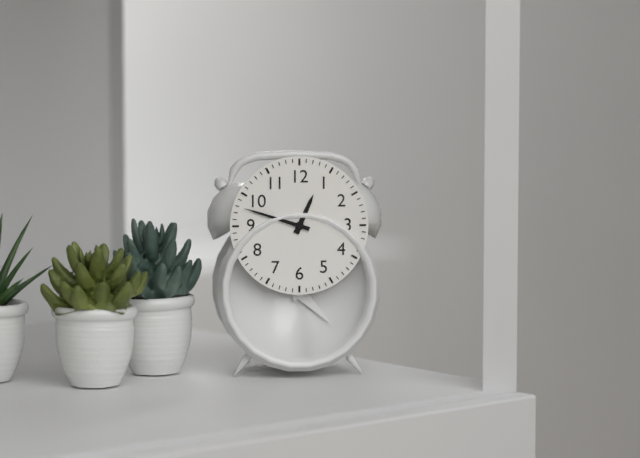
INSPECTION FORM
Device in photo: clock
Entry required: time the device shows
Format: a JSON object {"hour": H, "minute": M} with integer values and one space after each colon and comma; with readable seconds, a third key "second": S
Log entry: {"hour": 12, "minute": 48}
